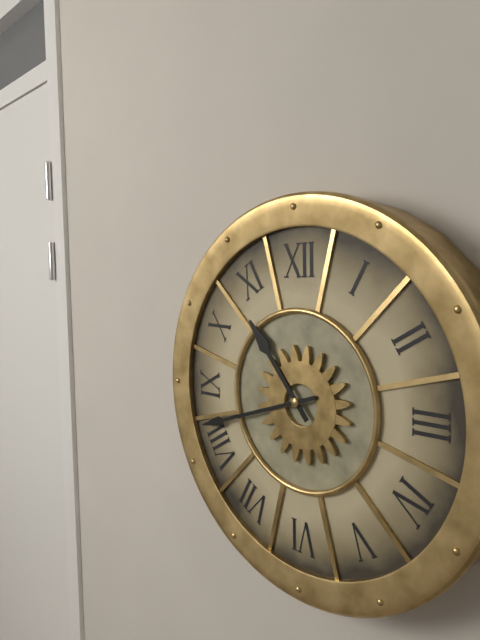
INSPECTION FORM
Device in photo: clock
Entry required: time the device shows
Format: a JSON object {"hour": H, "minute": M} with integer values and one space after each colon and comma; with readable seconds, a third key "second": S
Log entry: {"hour": 10, "minute": 42}
